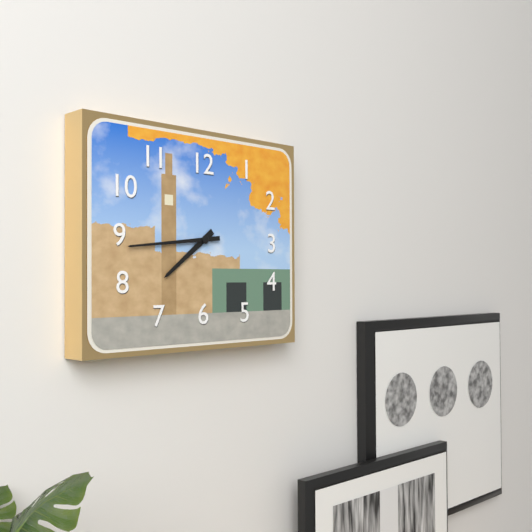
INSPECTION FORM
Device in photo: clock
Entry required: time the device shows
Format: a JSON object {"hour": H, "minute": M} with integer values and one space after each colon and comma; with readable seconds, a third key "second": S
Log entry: {"hour": 7, "minute": 44}
